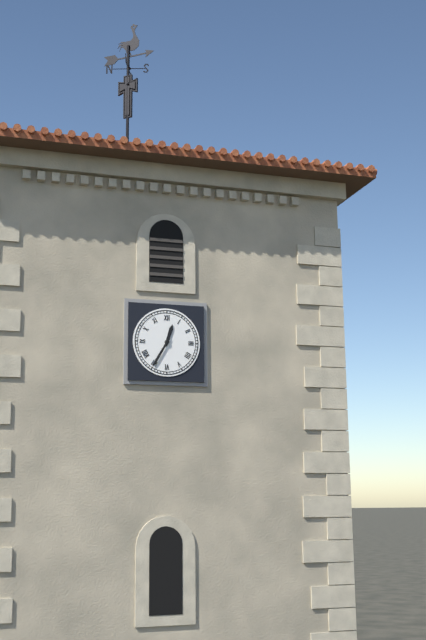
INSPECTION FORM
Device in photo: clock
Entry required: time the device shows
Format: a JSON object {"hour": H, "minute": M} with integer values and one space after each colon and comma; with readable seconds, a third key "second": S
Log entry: {"hour": 12, "minute": 35}
